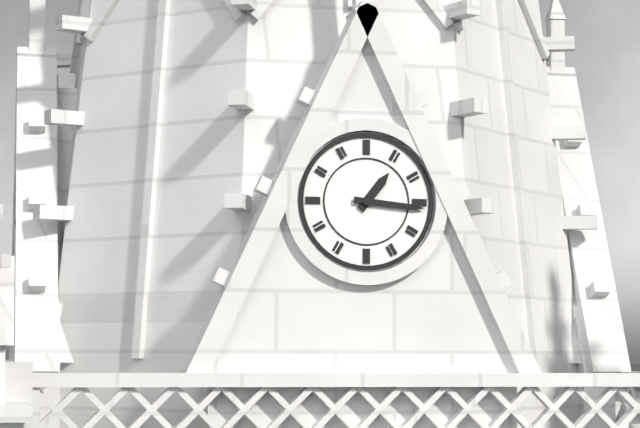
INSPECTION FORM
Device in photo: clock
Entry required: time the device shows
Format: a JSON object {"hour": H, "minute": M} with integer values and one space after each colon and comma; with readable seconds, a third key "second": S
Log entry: {"hour": 1, "minute": 16}
